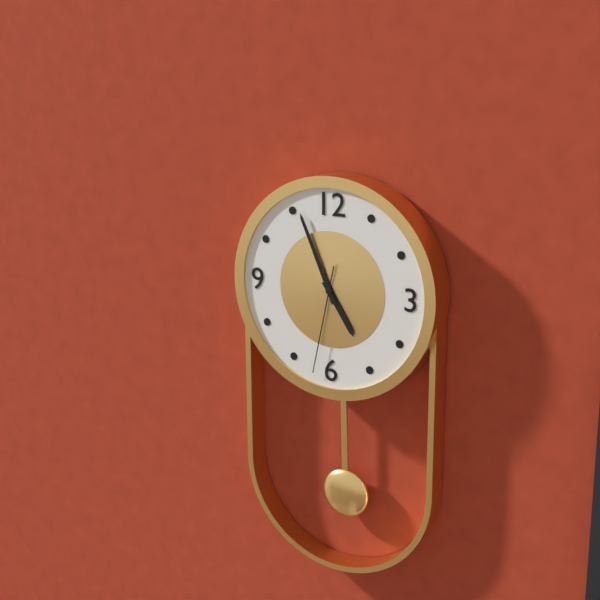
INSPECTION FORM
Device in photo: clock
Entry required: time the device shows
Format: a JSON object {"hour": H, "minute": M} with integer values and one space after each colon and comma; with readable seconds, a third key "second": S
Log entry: {"hour": 4, "minute": 56, "second": 32}
